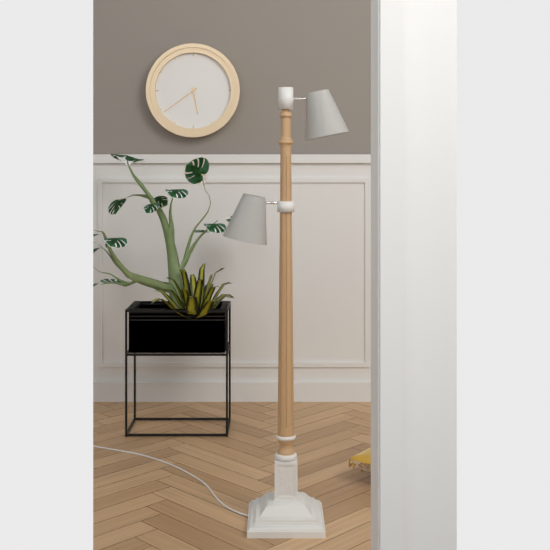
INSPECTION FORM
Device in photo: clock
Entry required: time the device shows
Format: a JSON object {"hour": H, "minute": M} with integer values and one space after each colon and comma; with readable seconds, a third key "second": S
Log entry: {"hour": 5, "minute": 39}
